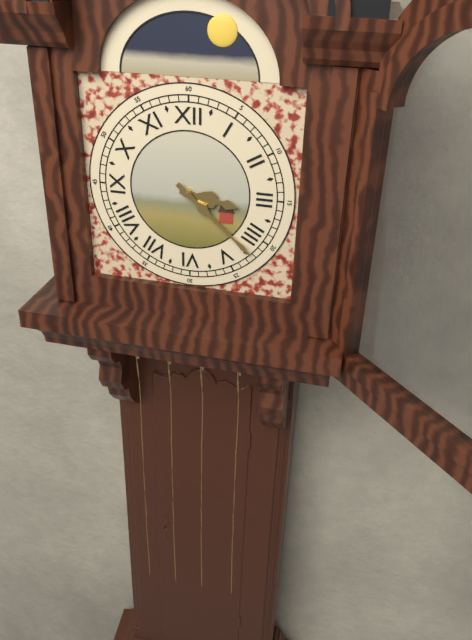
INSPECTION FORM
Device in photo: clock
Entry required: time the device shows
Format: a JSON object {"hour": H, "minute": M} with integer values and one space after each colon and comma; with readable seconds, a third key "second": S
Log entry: {"hour": 3, "minute": 22}
